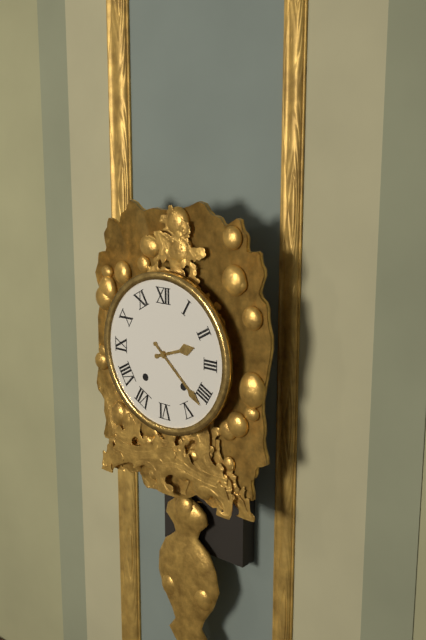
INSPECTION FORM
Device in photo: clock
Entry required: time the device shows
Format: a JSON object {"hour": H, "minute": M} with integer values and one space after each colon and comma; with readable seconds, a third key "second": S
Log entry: {"hour": 2, "minute": 22}
